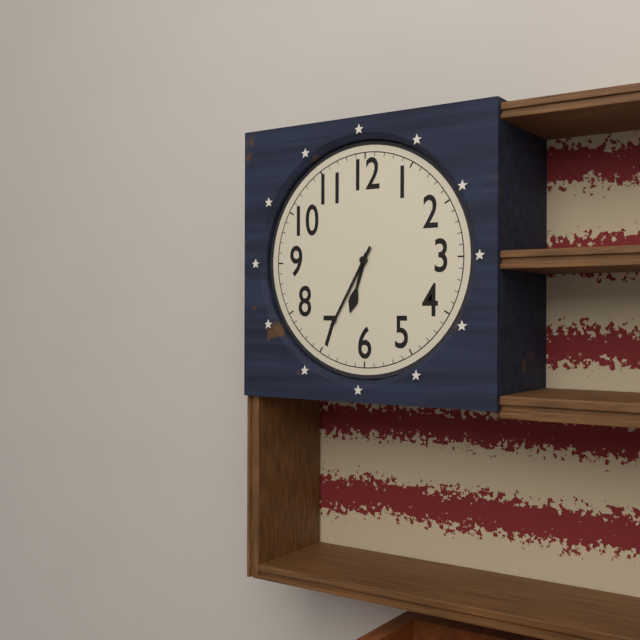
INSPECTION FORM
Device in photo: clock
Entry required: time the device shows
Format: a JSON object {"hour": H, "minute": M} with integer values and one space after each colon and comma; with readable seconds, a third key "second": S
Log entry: {"hour": 6, "minute": 35}
